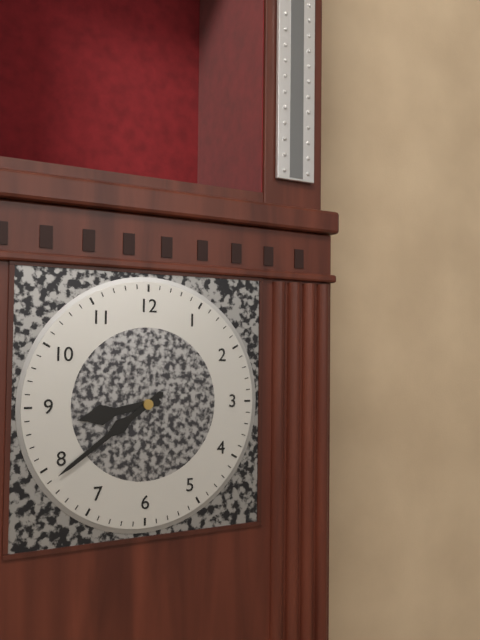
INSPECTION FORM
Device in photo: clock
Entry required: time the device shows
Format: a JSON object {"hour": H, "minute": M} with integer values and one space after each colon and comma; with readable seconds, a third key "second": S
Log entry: {"hour": 8, "minute": 39}
